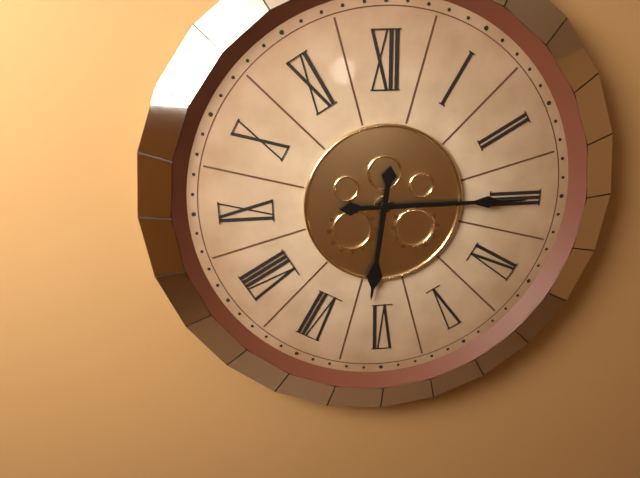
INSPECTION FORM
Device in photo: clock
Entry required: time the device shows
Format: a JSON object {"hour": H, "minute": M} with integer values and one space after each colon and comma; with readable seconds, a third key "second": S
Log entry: {"hour": 6, "minute": 15}
